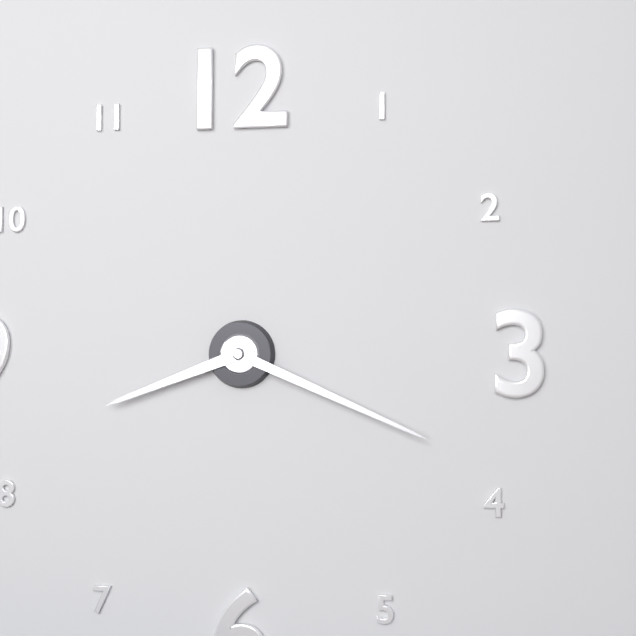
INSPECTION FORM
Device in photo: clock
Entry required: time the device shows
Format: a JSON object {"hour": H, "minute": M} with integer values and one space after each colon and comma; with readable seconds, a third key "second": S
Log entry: {"hour": 8, "minute": 19}
